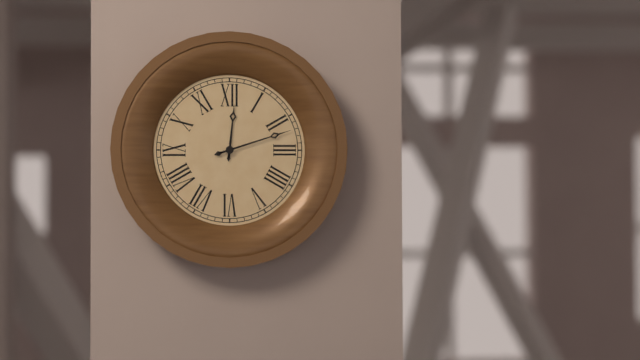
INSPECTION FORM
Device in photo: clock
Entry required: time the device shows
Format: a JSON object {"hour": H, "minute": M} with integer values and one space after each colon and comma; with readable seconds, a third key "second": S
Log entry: {"hour": 12, "minute": 12}
